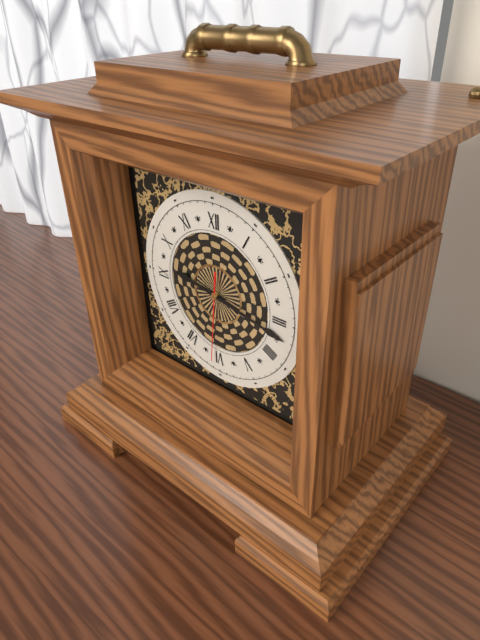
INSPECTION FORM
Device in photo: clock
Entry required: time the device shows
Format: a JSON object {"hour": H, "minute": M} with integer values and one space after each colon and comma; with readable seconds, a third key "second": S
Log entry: {"hour": 9, "minute": 17, "second": 31}
